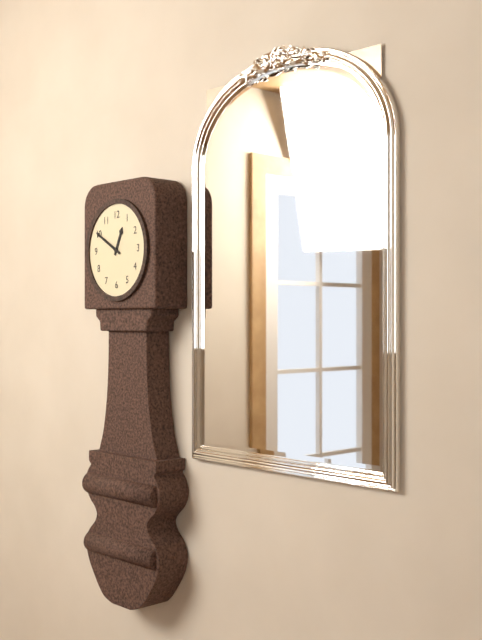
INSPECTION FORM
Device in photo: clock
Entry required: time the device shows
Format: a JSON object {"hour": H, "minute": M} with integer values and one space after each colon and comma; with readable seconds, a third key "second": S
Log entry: {"hour": 12, "minute": 50}
